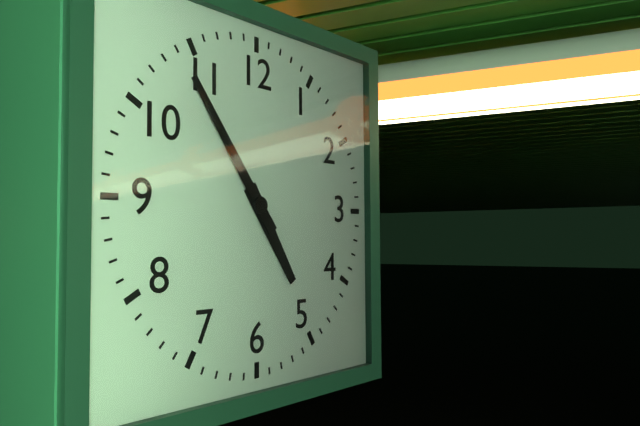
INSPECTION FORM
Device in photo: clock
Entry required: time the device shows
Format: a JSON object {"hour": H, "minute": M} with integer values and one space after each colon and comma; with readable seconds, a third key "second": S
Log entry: {"hour": 4, "minute": 54}
